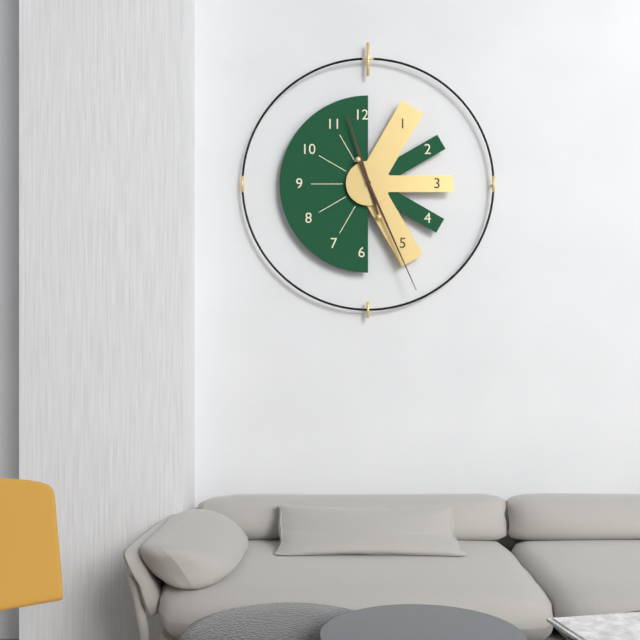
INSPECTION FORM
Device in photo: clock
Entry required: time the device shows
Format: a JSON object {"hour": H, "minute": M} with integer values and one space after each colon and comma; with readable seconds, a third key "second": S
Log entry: {"hour": 11, "minute": 26}
